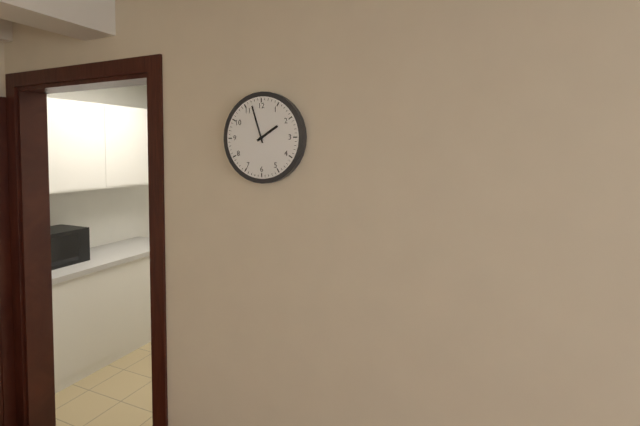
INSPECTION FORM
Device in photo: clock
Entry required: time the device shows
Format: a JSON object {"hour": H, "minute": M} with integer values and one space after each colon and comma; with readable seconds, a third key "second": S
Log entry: {"hour": 1, "minute": 57}
